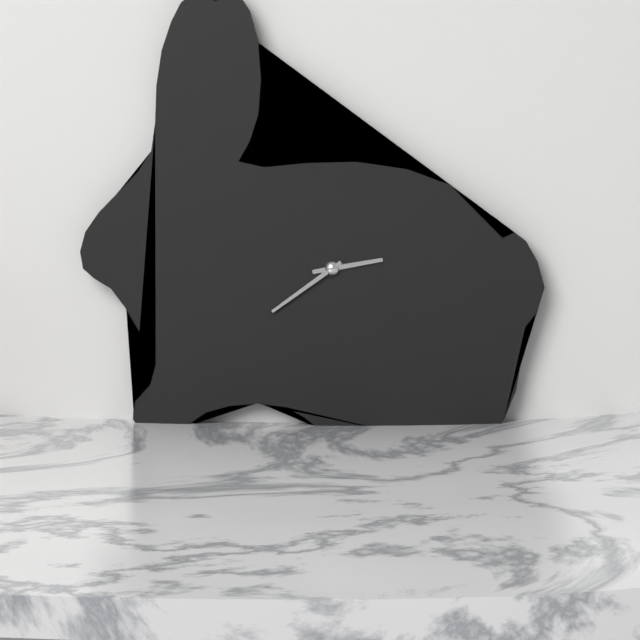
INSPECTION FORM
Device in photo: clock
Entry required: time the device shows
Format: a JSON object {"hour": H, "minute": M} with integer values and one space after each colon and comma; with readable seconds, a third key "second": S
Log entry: {"hour": 2, "minute": 39}
